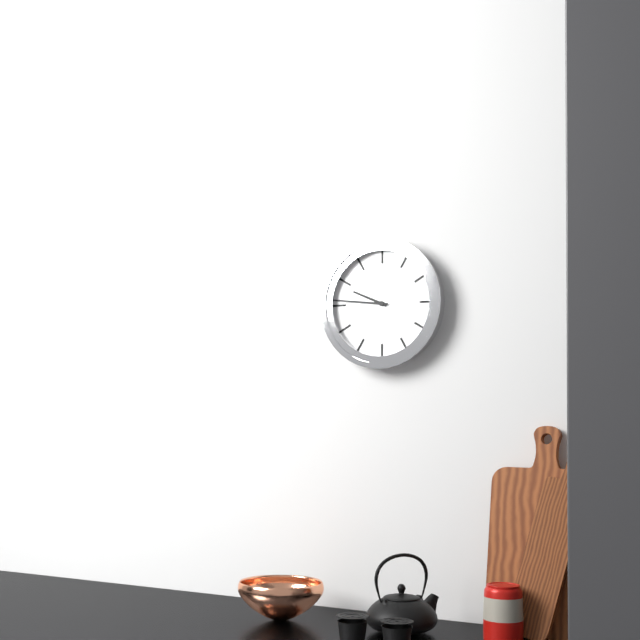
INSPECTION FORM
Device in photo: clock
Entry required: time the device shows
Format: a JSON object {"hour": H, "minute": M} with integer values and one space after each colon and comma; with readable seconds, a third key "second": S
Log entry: {"hour": 9, "minute": 46}
